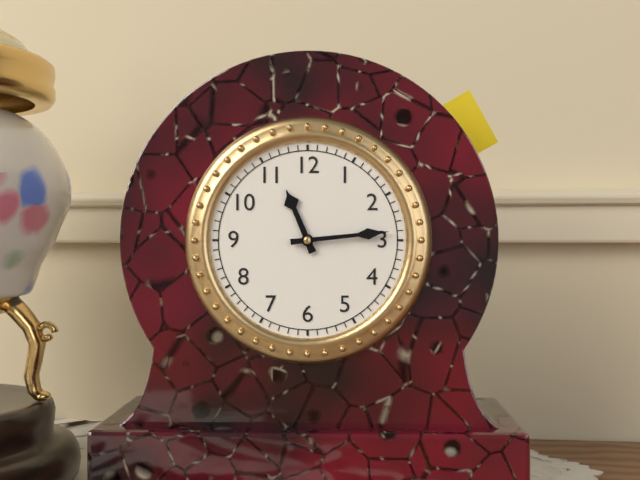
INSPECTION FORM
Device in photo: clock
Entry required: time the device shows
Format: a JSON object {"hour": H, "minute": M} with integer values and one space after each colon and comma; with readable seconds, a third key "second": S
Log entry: {"hour": 11, "minute": 14}
